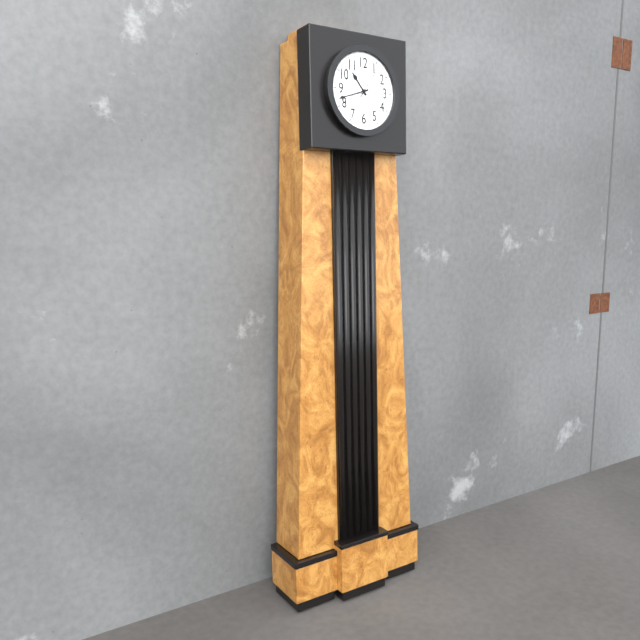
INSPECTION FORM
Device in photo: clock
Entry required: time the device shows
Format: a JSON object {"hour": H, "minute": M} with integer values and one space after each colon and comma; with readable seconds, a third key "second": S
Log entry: {"hour": 10, "minute": 42}
